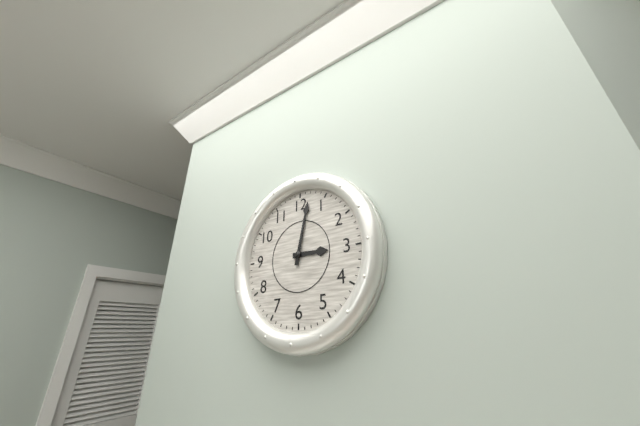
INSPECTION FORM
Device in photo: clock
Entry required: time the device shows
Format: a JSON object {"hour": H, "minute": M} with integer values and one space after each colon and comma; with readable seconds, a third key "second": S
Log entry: {"hour": 3, "minute": 2}
